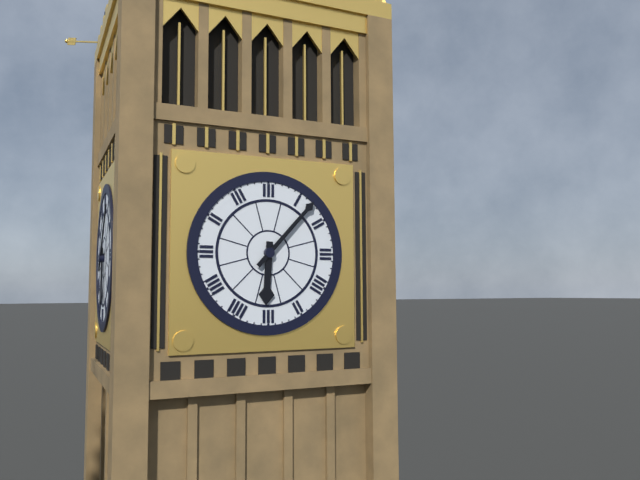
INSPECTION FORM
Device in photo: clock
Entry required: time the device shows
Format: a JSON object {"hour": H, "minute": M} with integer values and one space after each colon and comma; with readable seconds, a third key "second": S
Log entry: {"hour": 6, "minute": 7}
